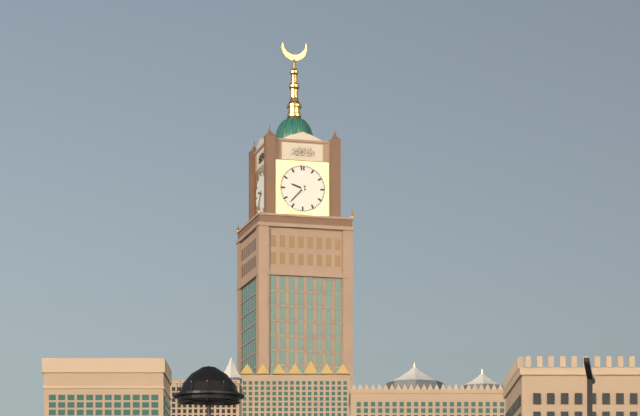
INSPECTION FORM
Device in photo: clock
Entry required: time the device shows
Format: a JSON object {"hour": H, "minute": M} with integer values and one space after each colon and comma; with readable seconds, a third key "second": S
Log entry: {"hour": 9, "minute": 37}
